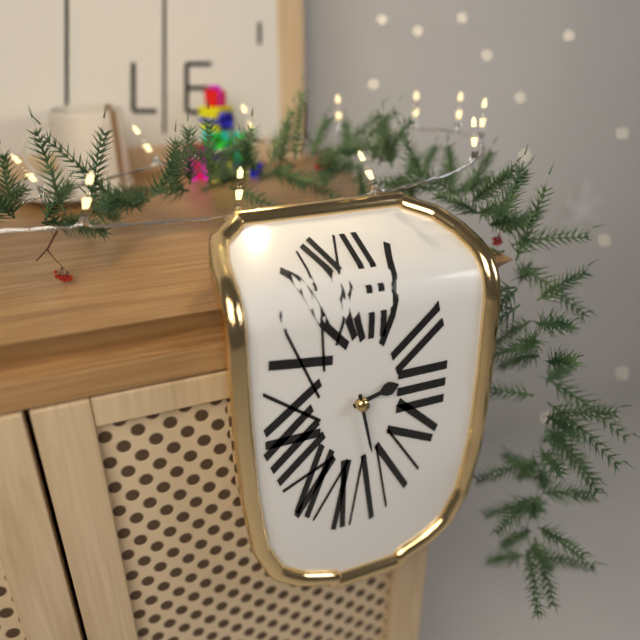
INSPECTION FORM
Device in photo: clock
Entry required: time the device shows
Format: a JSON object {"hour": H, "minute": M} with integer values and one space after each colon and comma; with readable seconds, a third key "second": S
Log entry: {"hour": 2, "minute": 28}
